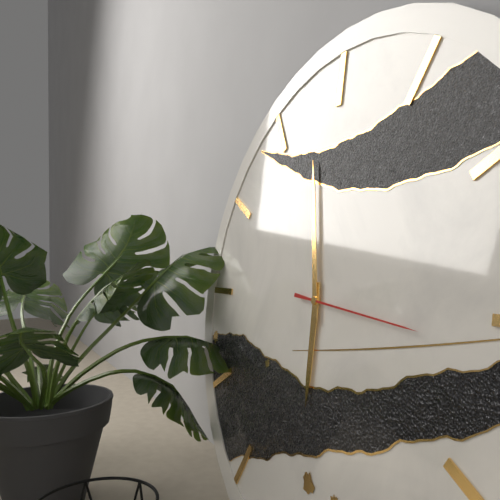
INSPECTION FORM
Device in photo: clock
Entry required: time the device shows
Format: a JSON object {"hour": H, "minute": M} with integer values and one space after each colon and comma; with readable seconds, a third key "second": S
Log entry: {"hour": 5, "minute": 58, "second": 16}
